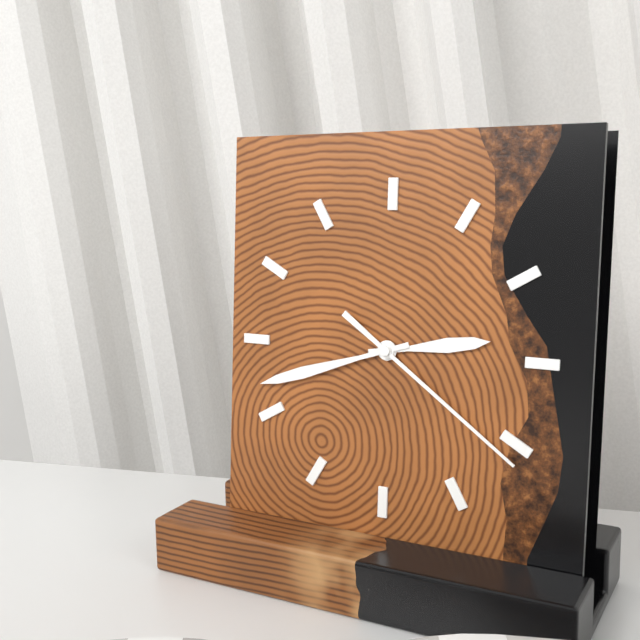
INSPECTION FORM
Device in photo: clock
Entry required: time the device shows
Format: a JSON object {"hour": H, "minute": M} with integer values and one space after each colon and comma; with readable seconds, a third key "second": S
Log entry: {"hour": 2, "minute": 42, "second": 21}
